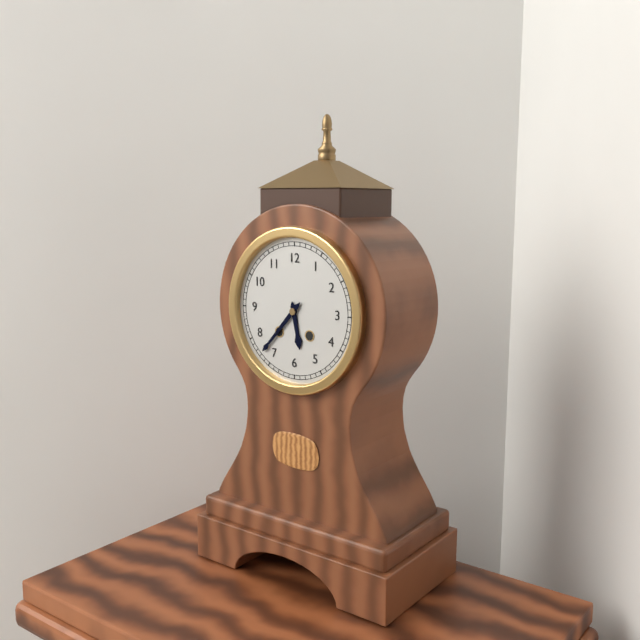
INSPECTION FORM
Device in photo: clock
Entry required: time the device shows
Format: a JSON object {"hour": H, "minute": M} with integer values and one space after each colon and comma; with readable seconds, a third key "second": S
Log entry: {"hour": 5, "minute": 37}
